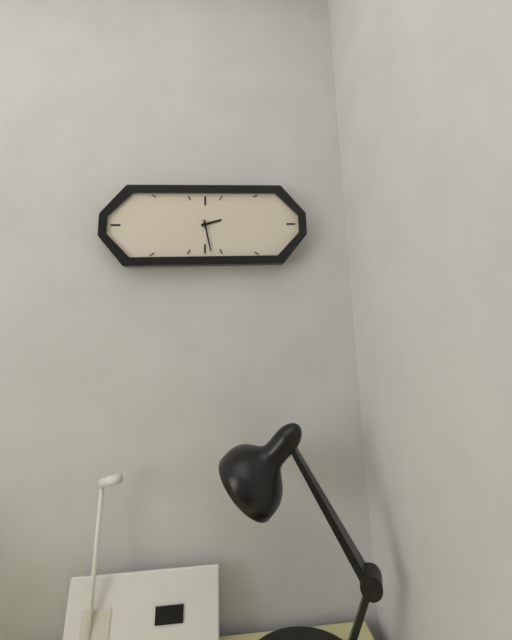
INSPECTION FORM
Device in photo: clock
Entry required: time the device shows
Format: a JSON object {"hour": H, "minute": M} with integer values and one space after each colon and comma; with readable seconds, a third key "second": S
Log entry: {"hour": 2, "minute": 28}
